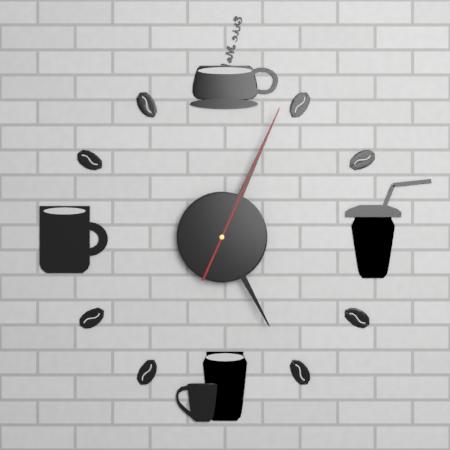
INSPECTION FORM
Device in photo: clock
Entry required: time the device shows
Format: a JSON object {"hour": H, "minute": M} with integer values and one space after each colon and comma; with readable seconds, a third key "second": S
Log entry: {"hour": 5, "minute": 4, "second": 4}
